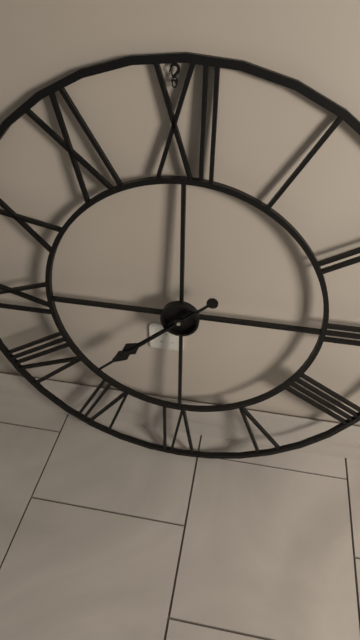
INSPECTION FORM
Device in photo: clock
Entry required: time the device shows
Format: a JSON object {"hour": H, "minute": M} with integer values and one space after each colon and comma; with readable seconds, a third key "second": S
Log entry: {"hour": 7, "minute": 38}
